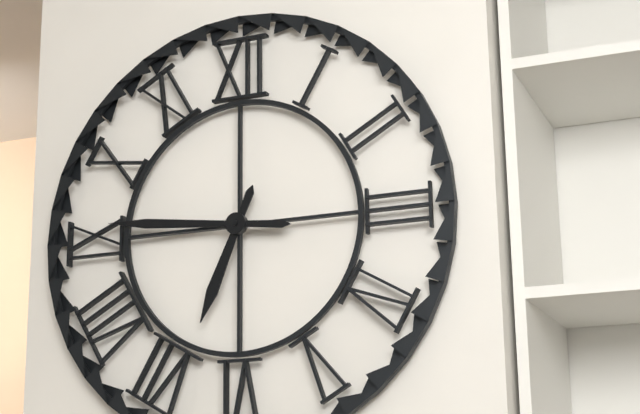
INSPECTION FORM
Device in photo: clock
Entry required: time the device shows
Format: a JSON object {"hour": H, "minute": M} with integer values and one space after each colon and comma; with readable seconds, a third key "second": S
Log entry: {"hour": 6, "minute": 46}
